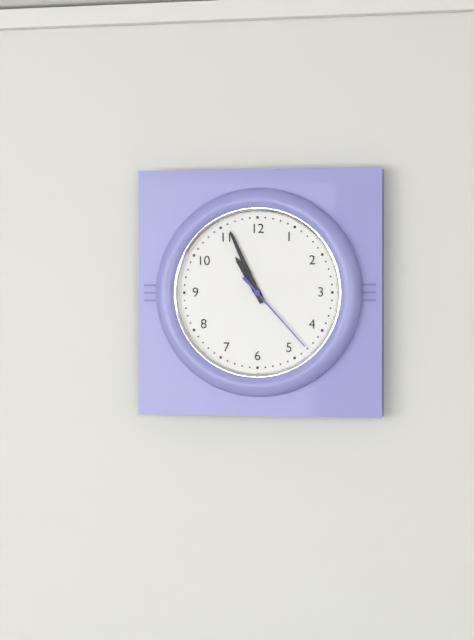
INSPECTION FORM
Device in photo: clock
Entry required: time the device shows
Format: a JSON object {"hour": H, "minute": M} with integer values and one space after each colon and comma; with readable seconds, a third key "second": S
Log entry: {"hour": 10, "minute": 56, "second": 23}
